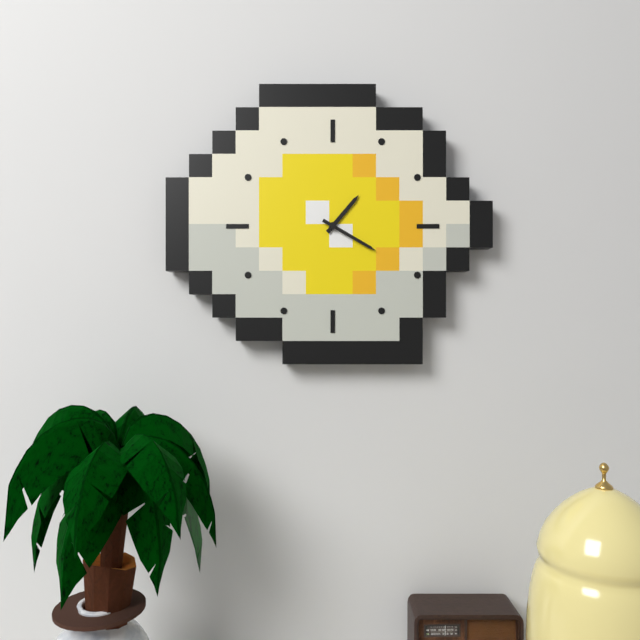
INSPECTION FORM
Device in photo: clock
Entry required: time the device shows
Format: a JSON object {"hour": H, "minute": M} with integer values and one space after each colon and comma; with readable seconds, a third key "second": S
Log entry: {"hour": 1, "minute": 20}
